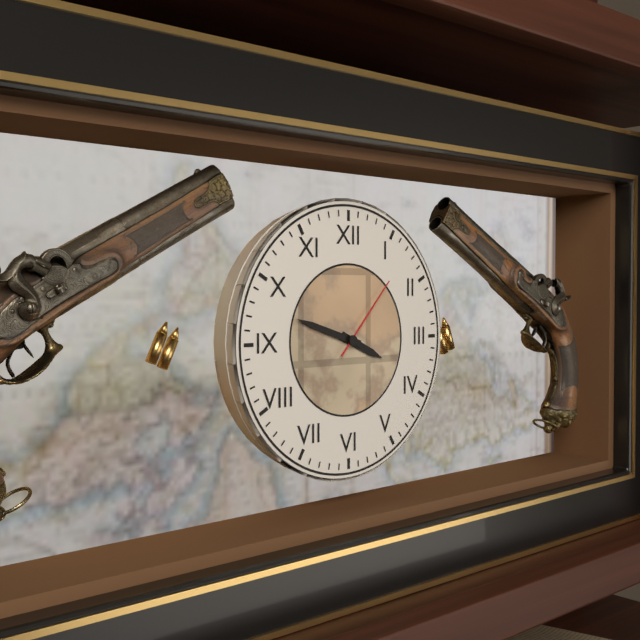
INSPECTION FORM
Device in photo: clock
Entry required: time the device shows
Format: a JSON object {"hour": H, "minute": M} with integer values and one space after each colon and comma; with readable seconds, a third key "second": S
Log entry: {"hour": 3, "minute": 48, "second": 7}
